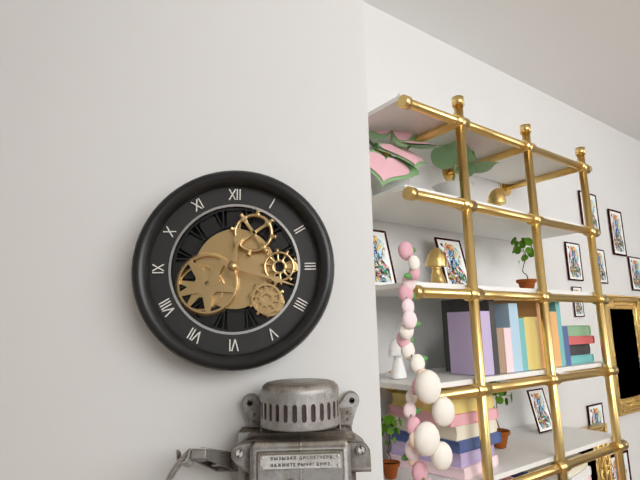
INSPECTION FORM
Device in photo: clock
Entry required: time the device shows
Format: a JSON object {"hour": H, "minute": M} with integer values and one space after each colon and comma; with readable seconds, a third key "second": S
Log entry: {"hour": 12, "minute": 18}
